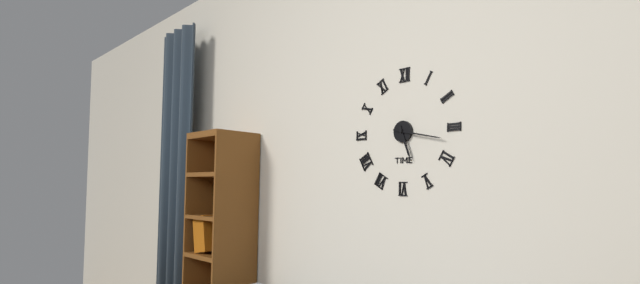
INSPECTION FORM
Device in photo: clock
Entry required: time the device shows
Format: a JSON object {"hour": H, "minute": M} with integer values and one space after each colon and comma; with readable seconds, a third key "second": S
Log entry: {"hour": 5, "minute": 17}
